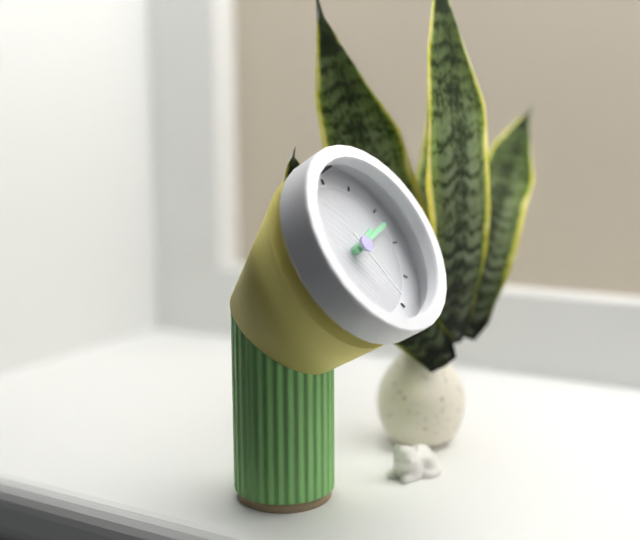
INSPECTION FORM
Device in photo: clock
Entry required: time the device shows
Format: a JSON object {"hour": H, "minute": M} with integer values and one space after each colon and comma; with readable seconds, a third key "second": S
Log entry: {"hour": 2, "minute": 12, "second": 26}
